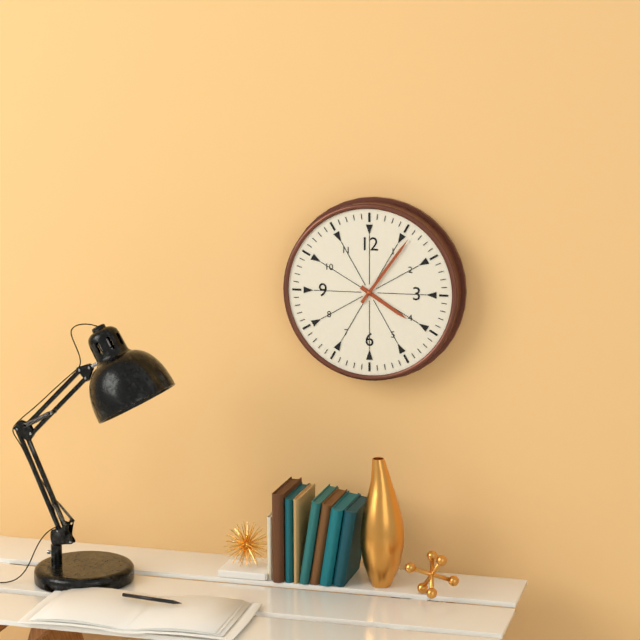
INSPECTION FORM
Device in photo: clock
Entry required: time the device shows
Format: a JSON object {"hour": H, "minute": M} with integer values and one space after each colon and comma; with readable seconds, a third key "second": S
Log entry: {"hour": 4, "minute": 6}
